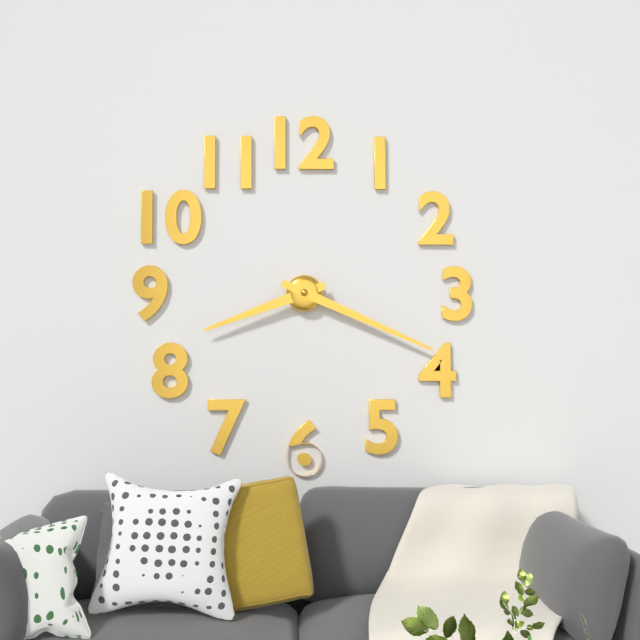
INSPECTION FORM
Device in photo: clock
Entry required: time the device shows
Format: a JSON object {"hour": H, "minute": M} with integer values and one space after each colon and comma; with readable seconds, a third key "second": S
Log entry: {"hour": 8, "minute": 19}
